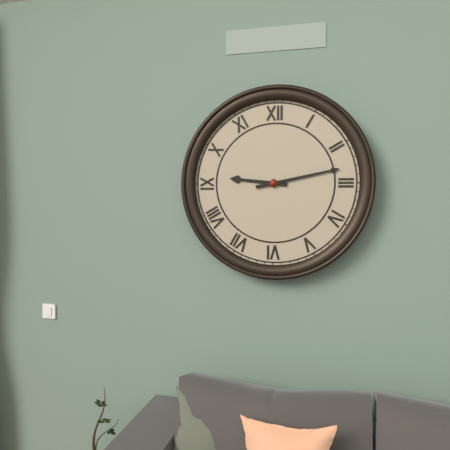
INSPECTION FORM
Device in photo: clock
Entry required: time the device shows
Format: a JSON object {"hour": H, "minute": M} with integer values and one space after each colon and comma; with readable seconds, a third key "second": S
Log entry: {"hour": 9, "minute": 13}
